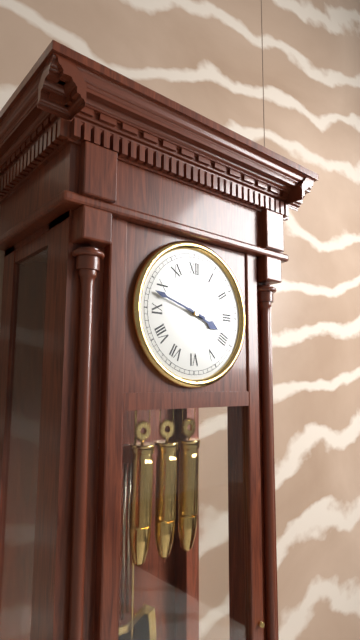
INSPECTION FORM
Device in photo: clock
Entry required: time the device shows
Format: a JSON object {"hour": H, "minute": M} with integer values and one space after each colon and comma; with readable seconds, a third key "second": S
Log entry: {"hour": 3, "minute": 48}
